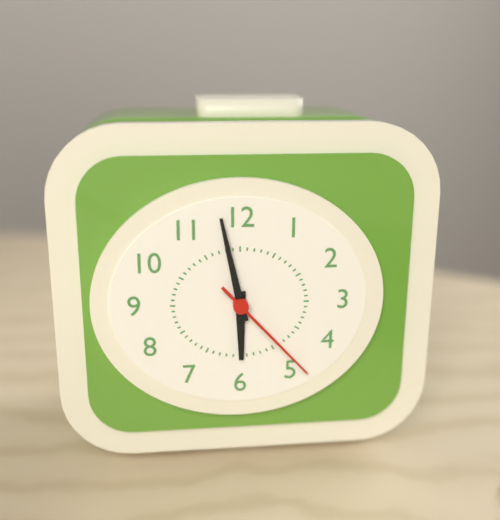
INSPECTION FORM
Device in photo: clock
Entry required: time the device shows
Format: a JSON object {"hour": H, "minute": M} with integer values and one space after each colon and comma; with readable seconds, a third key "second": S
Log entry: {"hour": 5, "minute": 58, "second": 23}
